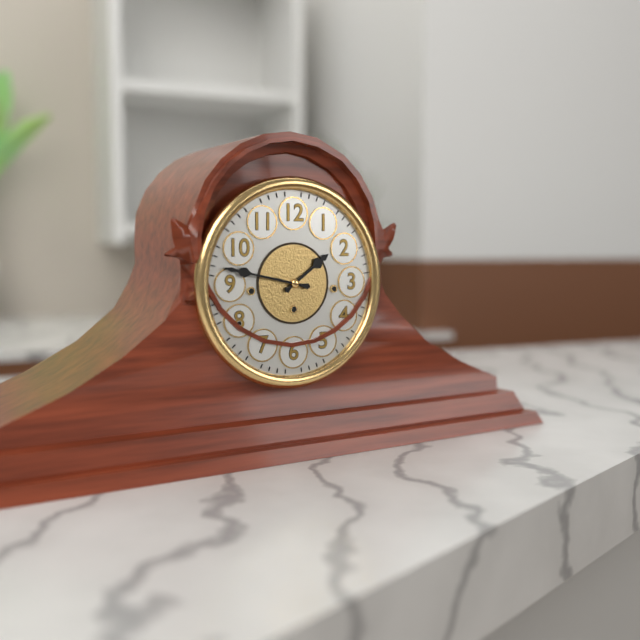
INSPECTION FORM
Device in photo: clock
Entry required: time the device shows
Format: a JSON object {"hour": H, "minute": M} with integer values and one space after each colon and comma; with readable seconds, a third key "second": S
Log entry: {"hour": 1, "minute": 47}
